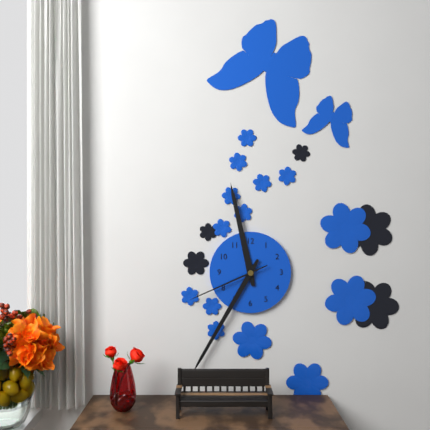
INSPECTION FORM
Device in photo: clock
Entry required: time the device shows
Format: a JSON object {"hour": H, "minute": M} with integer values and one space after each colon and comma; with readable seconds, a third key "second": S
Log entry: {"hour": 11, "minute": 35, "second": 41}
